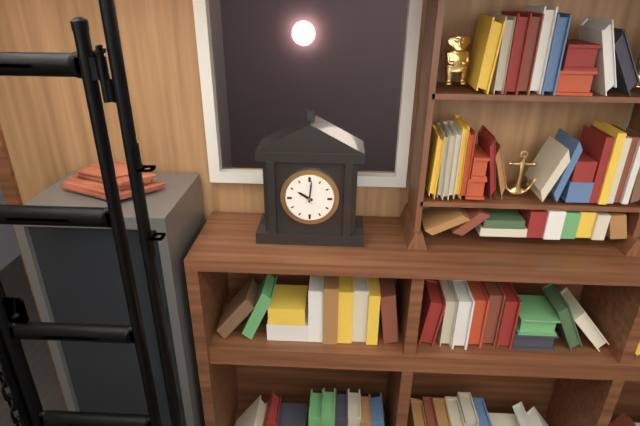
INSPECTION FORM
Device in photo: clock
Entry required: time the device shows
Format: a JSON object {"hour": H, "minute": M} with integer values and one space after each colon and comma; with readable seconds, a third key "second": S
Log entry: {"hour": 10, "minute": 1}
